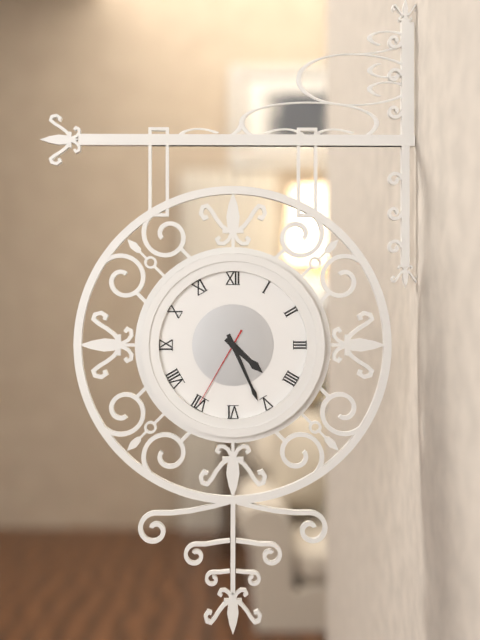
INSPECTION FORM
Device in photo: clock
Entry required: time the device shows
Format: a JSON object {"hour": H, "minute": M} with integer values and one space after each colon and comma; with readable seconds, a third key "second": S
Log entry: {"hour": 4, "minute": 26, "second": 35}
